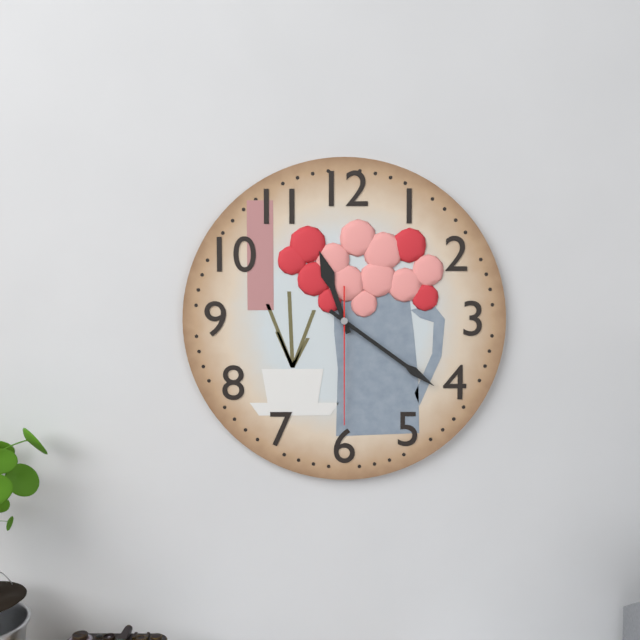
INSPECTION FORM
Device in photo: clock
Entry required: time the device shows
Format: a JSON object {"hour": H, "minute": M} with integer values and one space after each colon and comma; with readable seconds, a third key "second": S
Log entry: {"hour": 11, "minute": 21, "second": 30}
